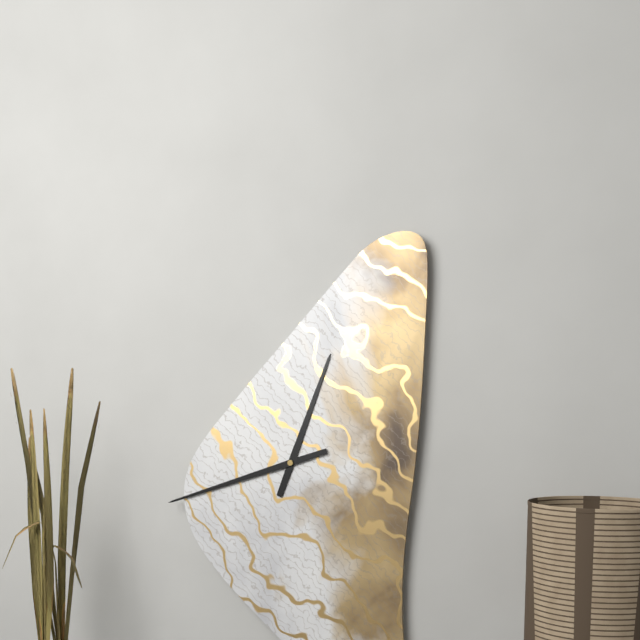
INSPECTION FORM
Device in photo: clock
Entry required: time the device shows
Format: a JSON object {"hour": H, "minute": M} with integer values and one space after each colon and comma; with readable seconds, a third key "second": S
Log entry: {"hour": 12, "minute": 42}
